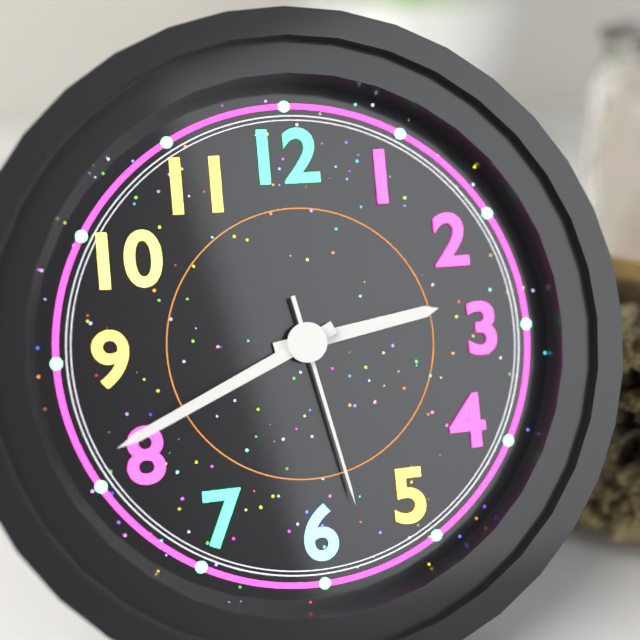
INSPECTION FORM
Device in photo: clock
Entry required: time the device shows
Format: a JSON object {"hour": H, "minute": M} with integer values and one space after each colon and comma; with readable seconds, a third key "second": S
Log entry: {"hour": 2, "minute": 41, "second": 28}
